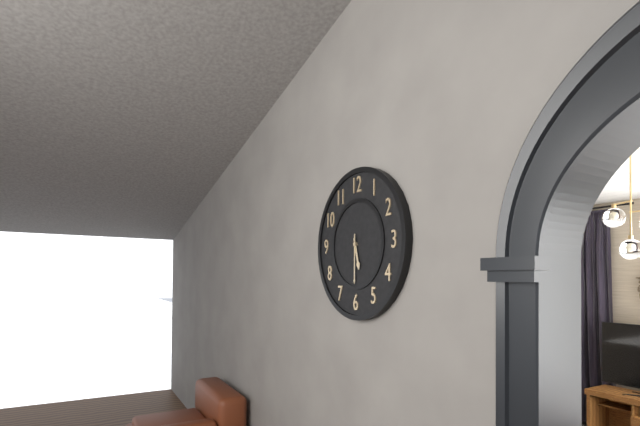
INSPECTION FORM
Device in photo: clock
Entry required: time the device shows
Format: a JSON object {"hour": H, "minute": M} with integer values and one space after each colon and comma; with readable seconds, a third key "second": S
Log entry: {"hour": 5, "minute": 30}
